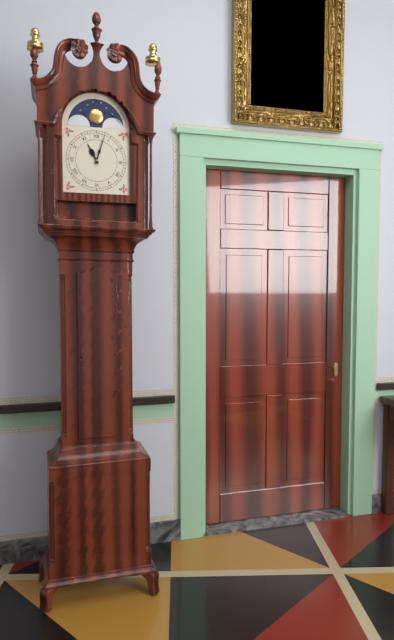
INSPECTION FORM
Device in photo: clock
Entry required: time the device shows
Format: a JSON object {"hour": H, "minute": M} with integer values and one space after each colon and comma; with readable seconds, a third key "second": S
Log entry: {"hour": 11, "minute": 3}
